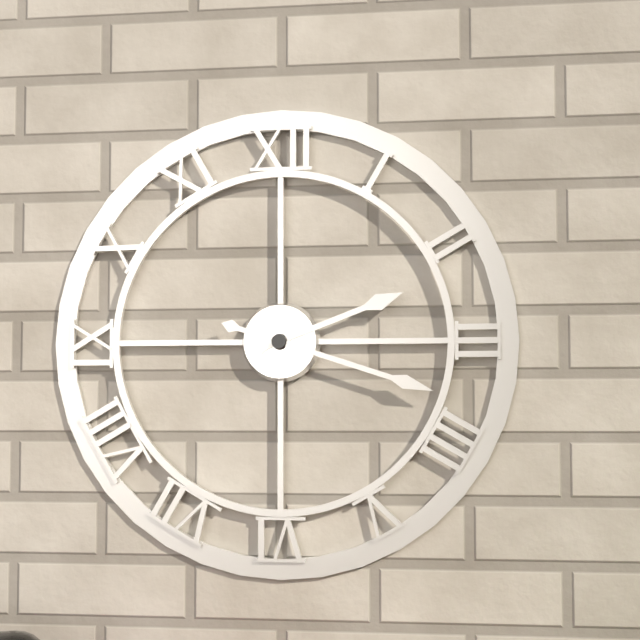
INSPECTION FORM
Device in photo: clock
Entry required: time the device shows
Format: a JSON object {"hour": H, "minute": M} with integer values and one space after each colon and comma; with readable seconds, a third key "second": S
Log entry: {"hour": 2, "minute": 18}
